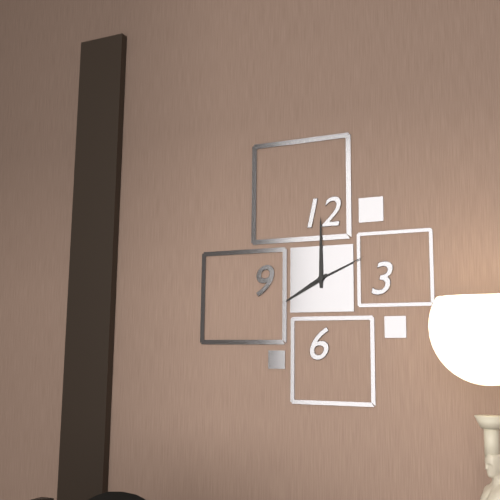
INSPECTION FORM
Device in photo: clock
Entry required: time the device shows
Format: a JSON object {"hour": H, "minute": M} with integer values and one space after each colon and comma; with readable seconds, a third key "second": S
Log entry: {"hour": 8, "minute": 0, "second": 11}
